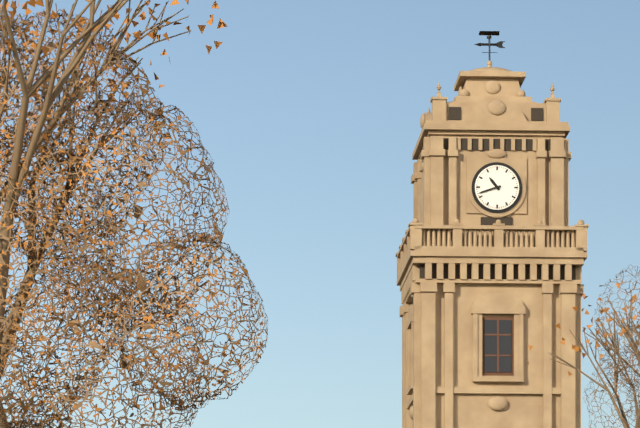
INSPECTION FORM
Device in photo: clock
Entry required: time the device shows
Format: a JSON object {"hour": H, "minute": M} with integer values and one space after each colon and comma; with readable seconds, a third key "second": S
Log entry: {"hour": 10, "minute": 42}
